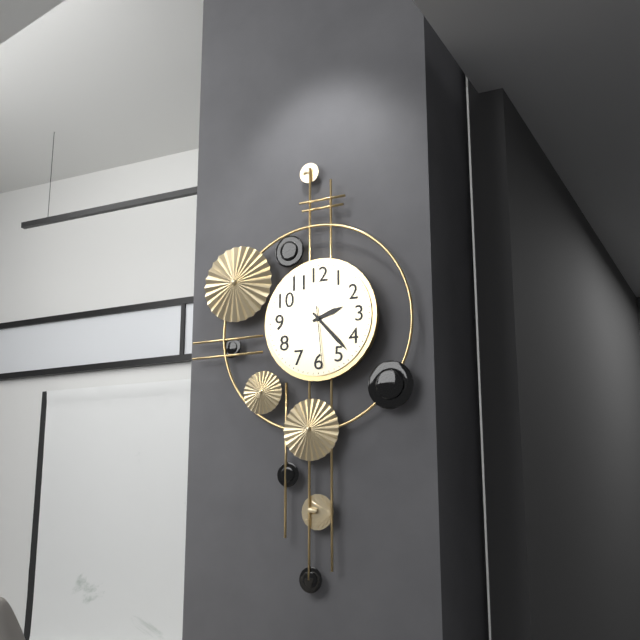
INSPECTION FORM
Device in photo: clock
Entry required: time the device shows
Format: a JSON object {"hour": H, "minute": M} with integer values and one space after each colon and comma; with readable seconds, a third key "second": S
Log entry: {"hour": 2, "minute": 23, "second": 29}
